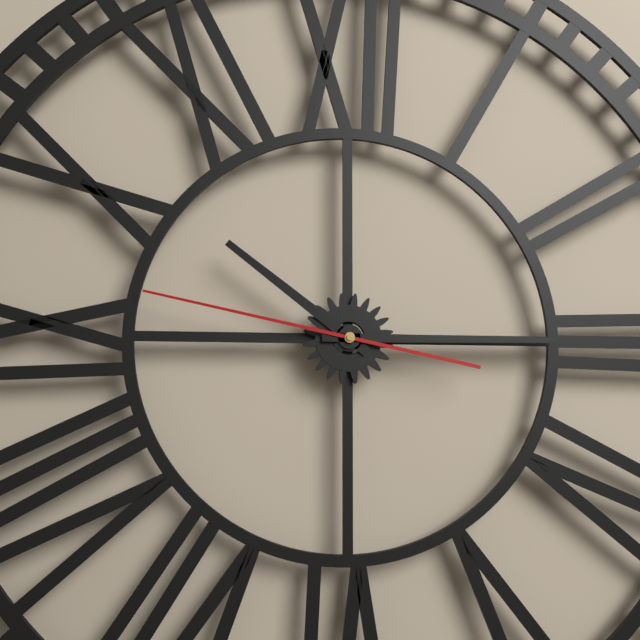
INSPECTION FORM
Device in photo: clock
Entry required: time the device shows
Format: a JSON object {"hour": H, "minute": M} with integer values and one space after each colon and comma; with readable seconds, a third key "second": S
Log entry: {"hour": 10, "minute": 15, "second": 47}
